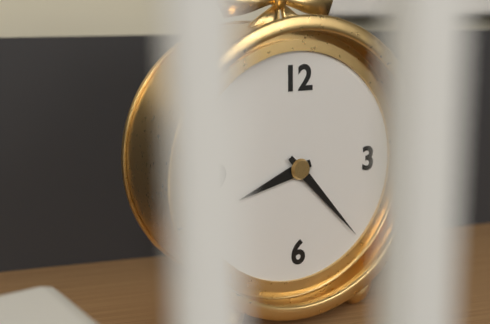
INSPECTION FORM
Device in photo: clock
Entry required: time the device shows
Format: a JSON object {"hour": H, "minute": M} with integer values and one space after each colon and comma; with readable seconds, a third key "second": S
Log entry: {"hour": 8, "minute": 23}
